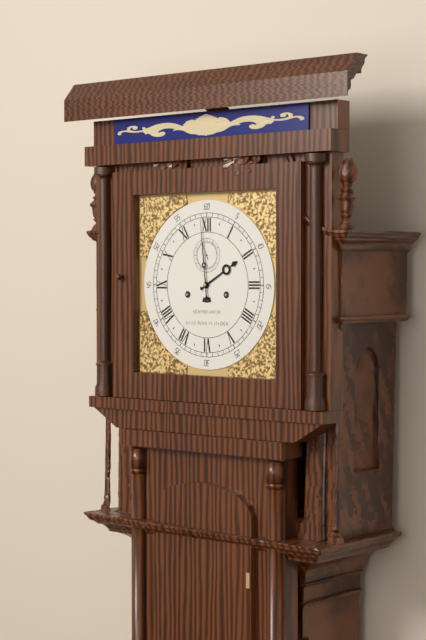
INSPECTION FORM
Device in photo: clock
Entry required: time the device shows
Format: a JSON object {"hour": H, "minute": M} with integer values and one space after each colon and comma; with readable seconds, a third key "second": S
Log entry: {"hour": 1, "minute": 59}
